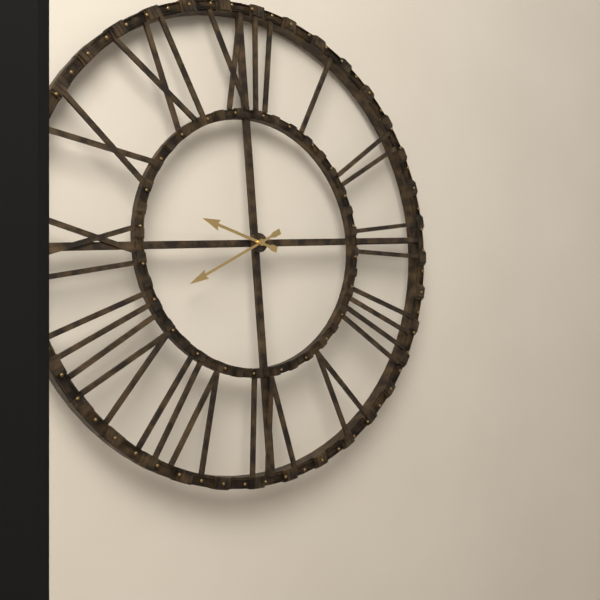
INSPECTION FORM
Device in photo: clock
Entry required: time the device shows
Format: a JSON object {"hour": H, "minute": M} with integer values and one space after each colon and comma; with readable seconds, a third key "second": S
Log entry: {"hour": 9, "minute": 41}
